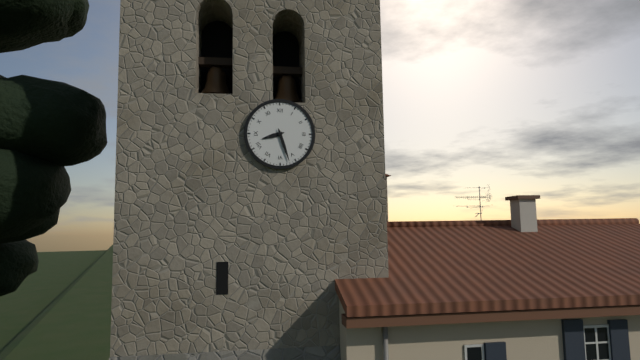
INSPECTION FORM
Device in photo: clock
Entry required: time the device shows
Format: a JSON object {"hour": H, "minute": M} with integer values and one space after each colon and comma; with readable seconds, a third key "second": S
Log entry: {"hour": 8, "minute": 27}
